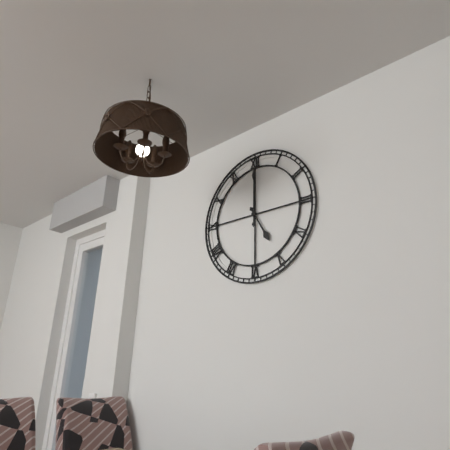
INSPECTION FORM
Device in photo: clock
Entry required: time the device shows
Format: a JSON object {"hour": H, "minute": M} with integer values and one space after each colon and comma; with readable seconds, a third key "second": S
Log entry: {"hour": 5, "minute": 0}
